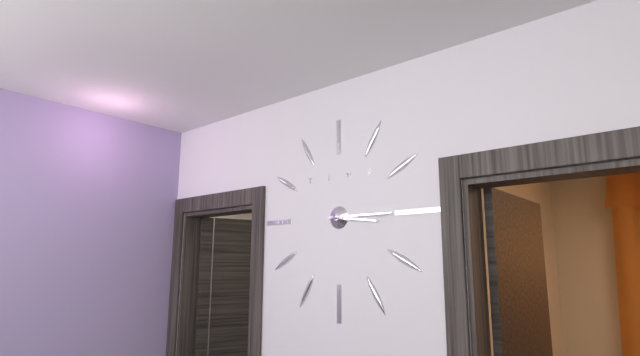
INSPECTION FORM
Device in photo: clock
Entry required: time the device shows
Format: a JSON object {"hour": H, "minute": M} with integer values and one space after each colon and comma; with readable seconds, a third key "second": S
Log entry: {"hour": 3, "minute": 15}
